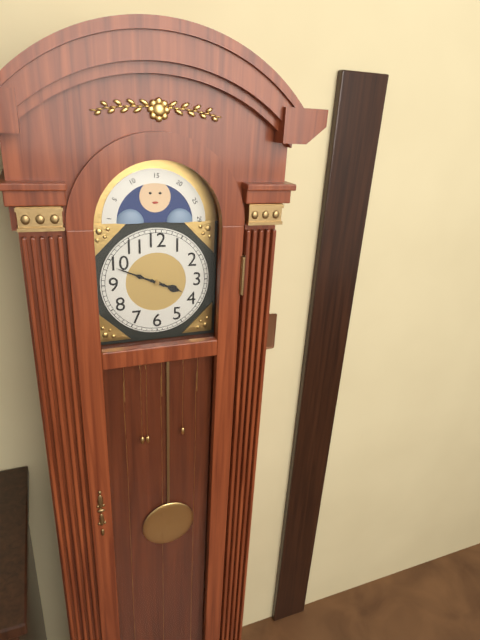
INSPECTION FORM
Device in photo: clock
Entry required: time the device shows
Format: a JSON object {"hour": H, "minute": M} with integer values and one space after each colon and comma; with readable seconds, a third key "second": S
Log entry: {"hour": 3, "minute": 49}
